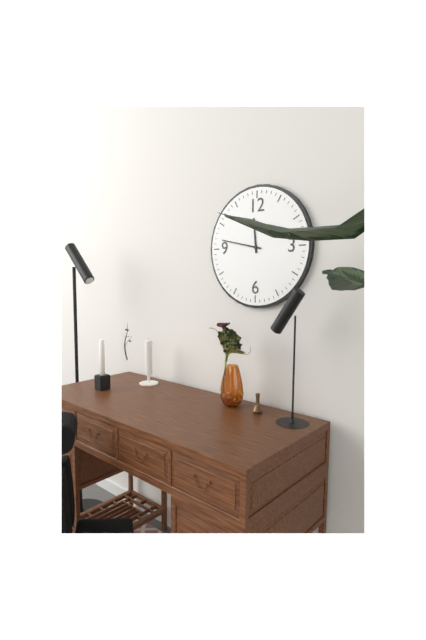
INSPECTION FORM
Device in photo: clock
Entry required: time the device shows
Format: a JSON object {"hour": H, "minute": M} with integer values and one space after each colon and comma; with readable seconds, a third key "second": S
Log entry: {"hour": 11, "minute": 47}
